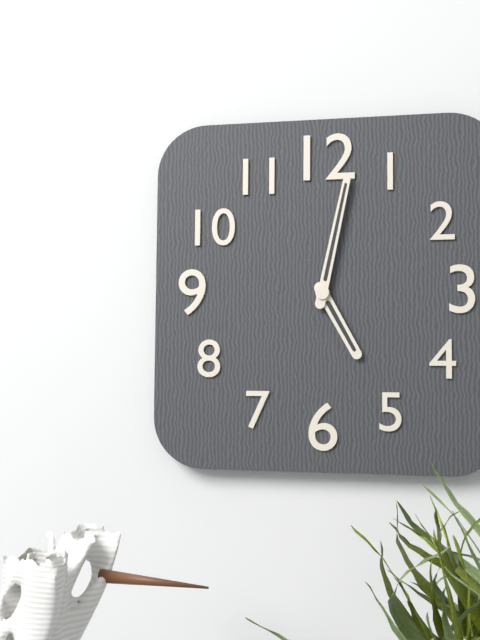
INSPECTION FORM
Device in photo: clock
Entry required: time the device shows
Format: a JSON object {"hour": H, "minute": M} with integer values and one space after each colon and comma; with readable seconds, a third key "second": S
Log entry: {"hour": 5, "minute": 2}
